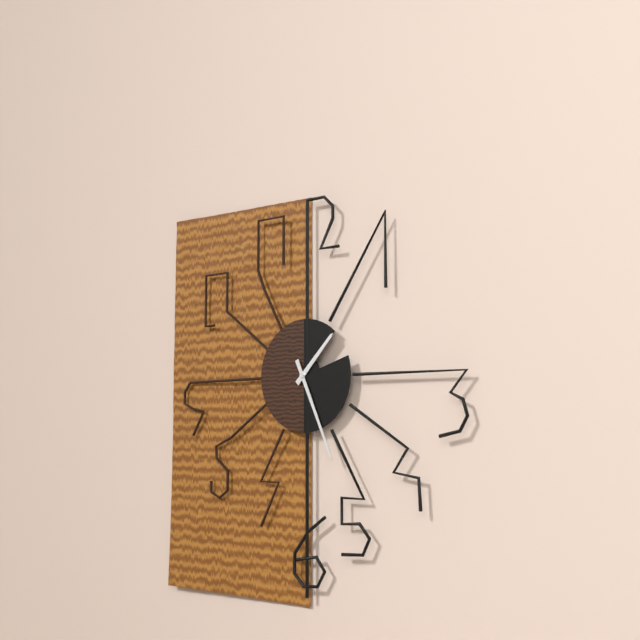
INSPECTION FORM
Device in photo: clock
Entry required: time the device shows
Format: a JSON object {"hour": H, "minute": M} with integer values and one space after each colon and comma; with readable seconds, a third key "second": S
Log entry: {"hour": 1, "minute": 26}
